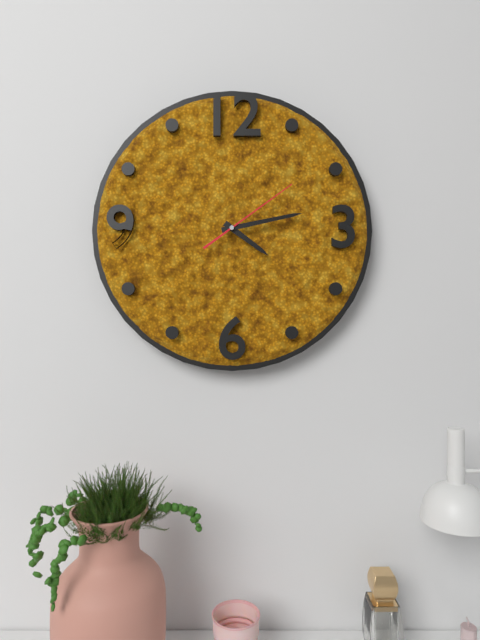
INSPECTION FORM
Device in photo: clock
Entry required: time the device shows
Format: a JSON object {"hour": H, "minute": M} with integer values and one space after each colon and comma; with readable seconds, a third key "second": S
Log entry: {"hour": 4, "minute": 13, "second": 9}
